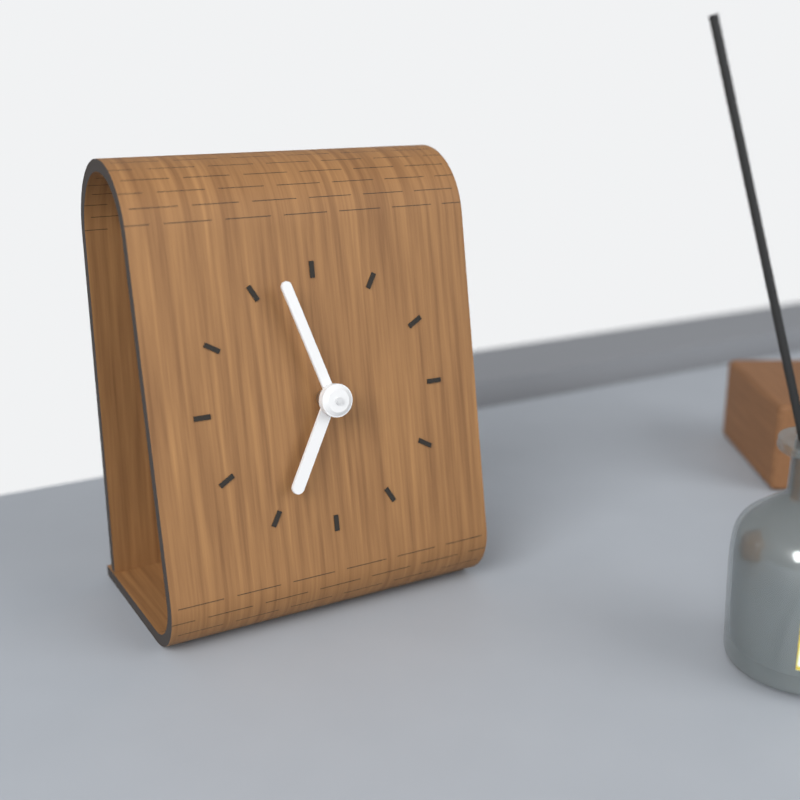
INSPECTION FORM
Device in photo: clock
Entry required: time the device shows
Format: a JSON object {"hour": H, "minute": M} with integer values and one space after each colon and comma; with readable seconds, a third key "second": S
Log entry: {"hour": 6, "minute": 57}
